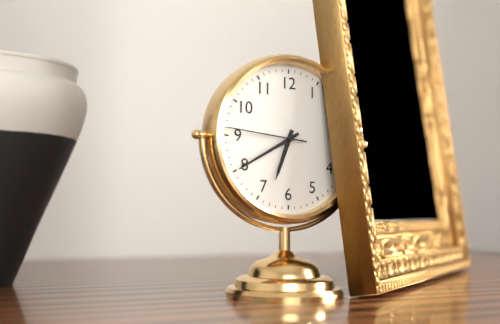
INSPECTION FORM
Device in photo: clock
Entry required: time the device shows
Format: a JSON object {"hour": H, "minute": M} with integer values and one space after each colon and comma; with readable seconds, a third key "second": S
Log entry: {"hour": 6, "minute": 40, "second": 46}
